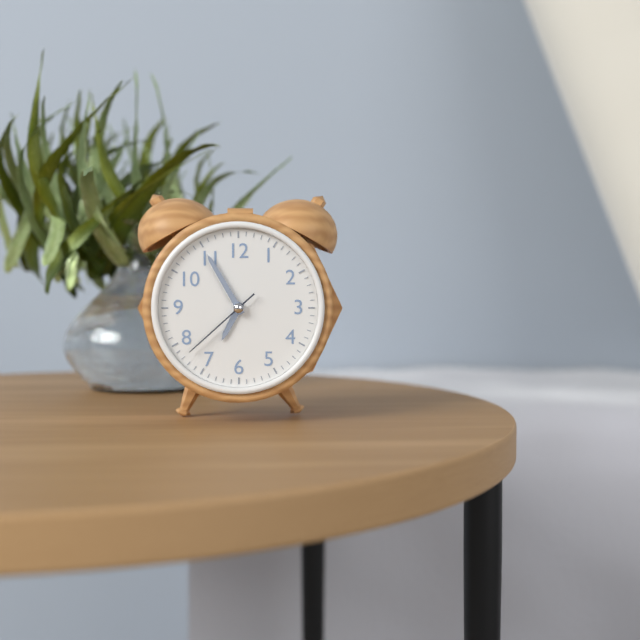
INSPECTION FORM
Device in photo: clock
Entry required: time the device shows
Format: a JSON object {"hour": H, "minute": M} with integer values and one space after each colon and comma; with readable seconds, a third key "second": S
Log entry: {"hour": 6, "minute": 55, "second": 38}
